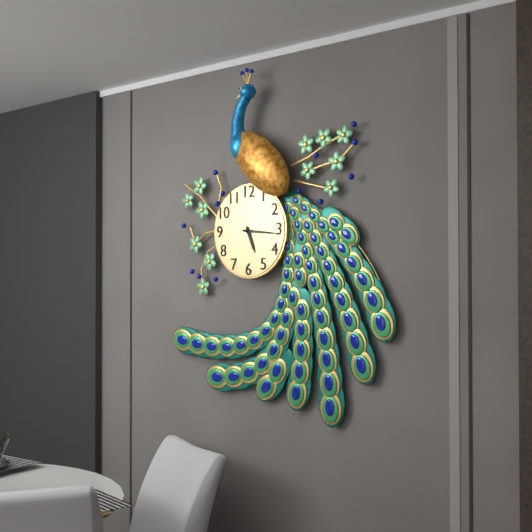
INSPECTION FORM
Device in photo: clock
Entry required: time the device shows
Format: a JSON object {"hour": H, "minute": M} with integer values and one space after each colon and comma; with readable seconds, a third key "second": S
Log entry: {"hour": 5, "minute": 16}
